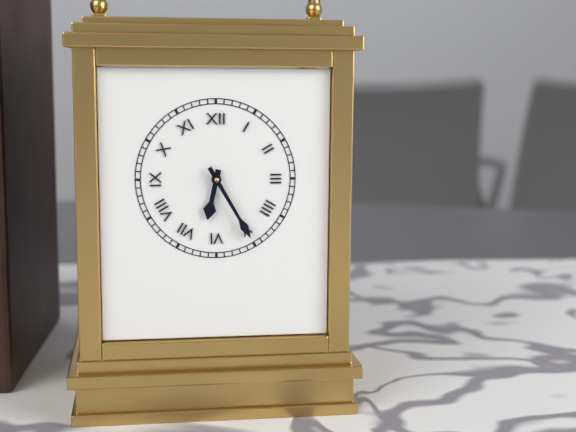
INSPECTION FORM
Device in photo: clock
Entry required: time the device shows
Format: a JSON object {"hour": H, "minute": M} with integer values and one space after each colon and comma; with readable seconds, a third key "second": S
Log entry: {"hour": 6, "minute": 25}
